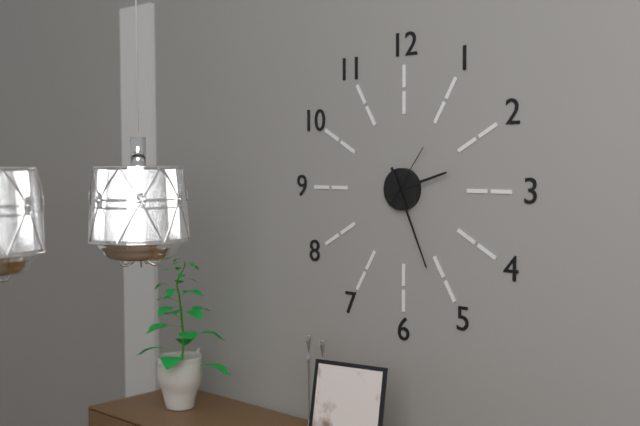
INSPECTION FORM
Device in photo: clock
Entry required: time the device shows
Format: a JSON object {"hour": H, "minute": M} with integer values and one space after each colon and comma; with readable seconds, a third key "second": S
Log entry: {"hour": 2, "minute": 26, "second": 6}
